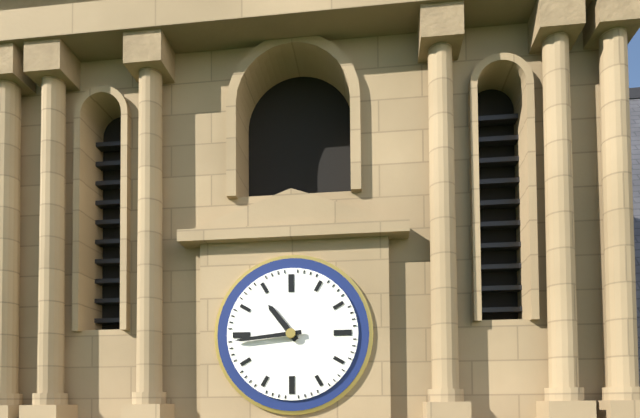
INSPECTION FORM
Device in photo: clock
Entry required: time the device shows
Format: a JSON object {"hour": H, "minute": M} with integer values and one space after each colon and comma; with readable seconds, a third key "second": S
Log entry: {"hour": 10, "minute": 44}
